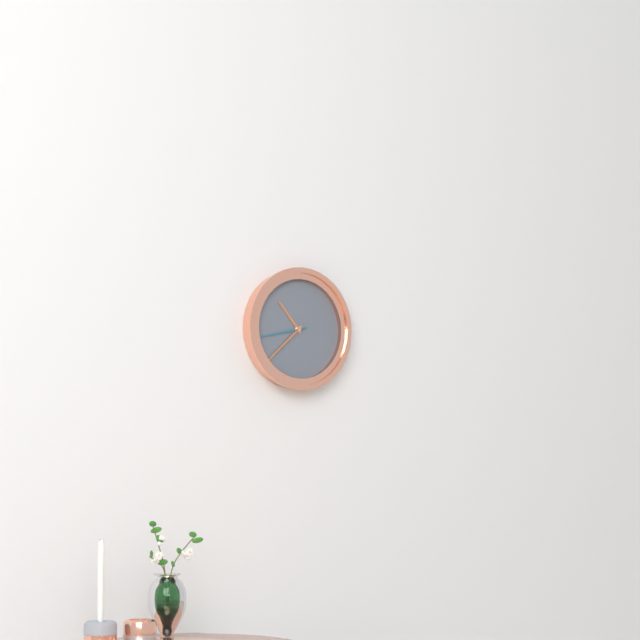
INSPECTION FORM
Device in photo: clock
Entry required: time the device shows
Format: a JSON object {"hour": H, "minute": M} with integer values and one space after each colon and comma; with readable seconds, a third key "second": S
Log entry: {"hour": 10, "minute": 38, "second": 43}
